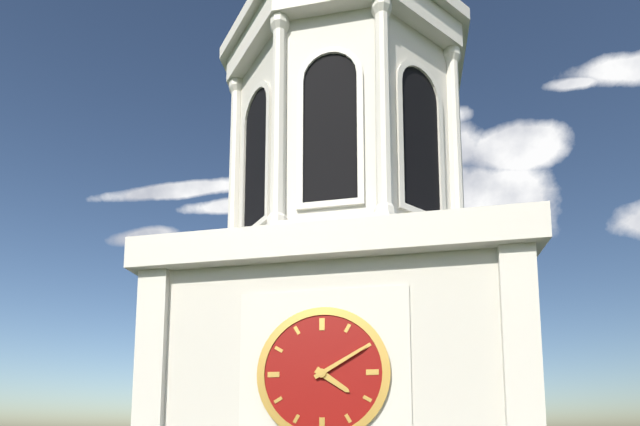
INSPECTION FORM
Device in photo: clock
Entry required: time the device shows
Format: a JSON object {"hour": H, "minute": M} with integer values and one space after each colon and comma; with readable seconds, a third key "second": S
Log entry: {"hour": 4, "minute": 10}
